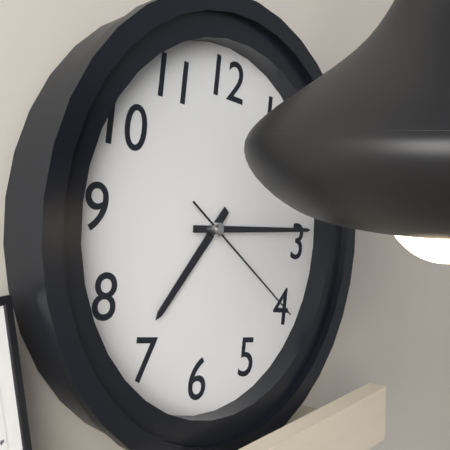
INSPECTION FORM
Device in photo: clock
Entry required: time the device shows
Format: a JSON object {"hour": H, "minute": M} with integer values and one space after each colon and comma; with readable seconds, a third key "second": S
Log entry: {"hour": 7, "minute": 14, "second": 20}
